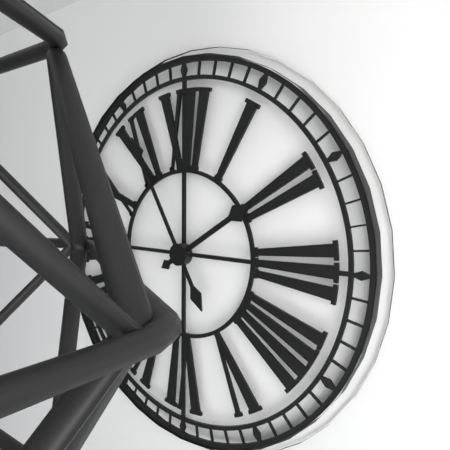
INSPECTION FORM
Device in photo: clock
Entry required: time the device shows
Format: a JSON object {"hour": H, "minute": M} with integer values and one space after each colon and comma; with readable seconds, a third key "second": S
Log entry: {"hour": 1, "minute": 55}
